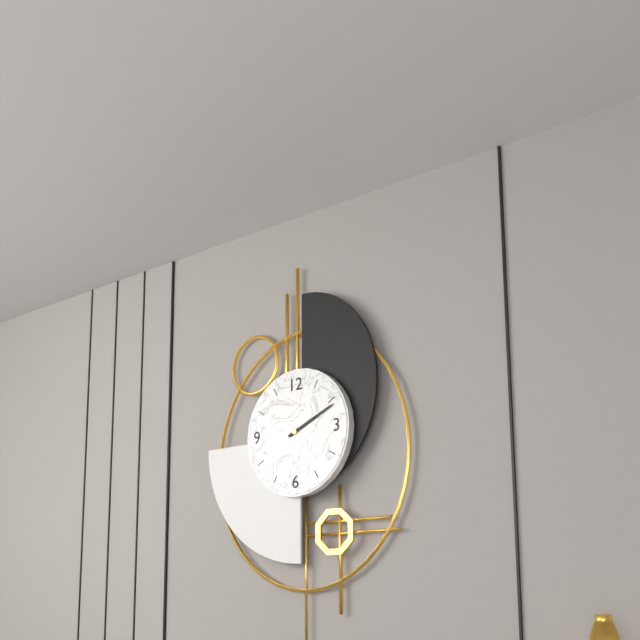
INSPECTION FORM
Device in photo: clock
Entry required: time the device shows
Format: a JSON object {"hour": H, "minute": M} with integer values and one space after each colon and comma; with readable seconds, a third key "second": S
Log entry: {"hour": 2, "minute": 11}
